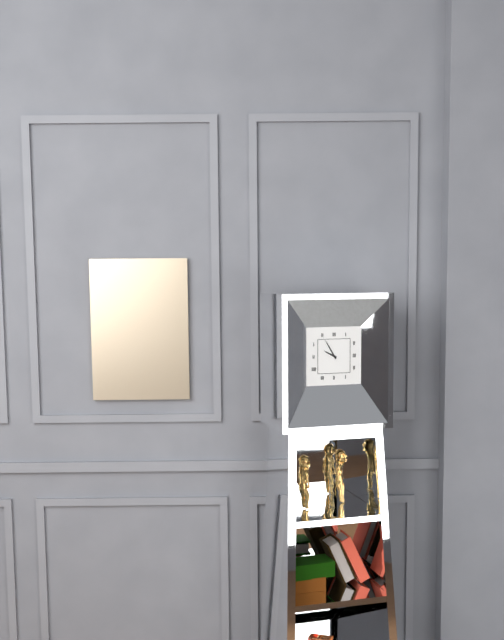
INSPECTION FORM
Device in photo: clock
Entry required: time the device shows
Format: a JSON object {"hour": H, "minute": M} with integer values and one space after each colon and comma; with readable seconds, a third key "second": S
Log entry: {"hour": 9, "minute": 55}
